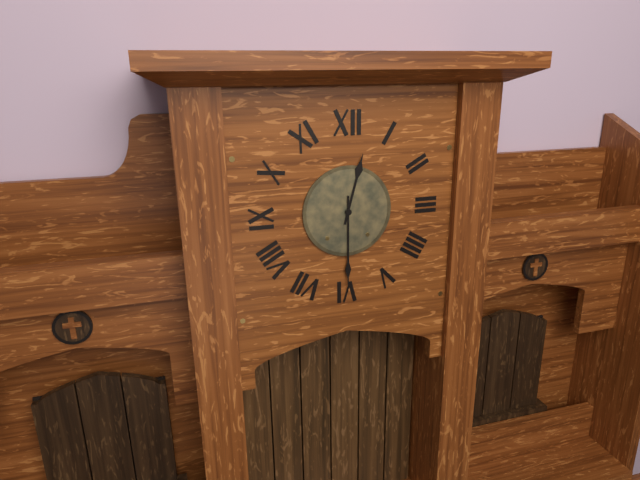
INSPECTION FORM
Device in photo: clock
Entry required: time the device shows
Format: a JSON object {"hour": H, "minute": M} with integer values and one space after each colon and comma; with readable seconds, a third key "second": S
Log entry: {"hour": 12, "minute": 30}
